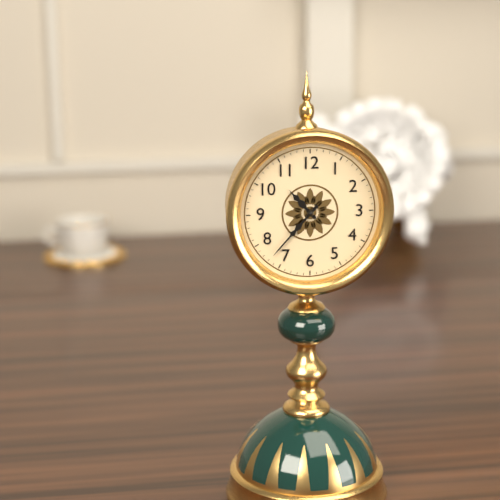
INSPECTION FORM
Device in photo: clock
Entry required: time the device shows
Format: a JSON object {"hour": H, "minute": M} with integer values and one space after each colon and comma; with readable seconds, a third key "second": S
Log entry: {"hour": 10, "minute": 37}
